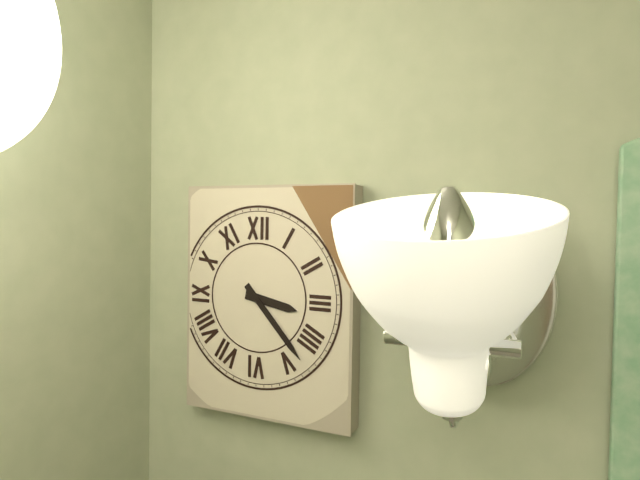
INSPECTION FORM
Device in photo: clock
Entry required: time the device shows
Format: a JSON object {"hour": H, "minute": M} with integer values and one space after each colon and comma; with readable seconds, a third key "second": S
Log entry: {"hour": 3, "minute": 23}
